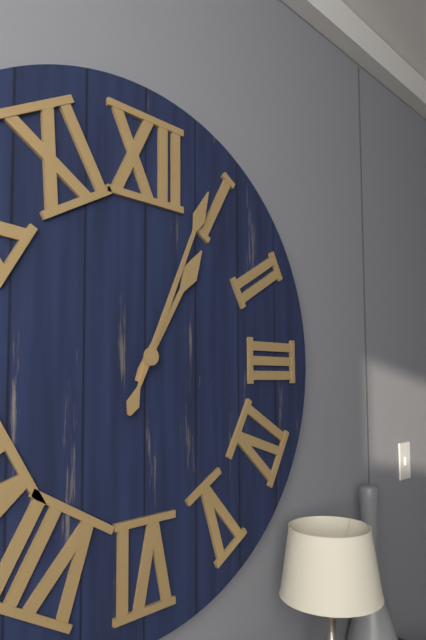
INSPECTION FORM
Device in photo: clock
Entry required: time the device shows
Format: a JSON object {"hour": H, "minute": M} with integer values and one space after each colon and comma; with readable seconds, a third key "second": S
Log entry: {"hour": 1, "minute": 4}
